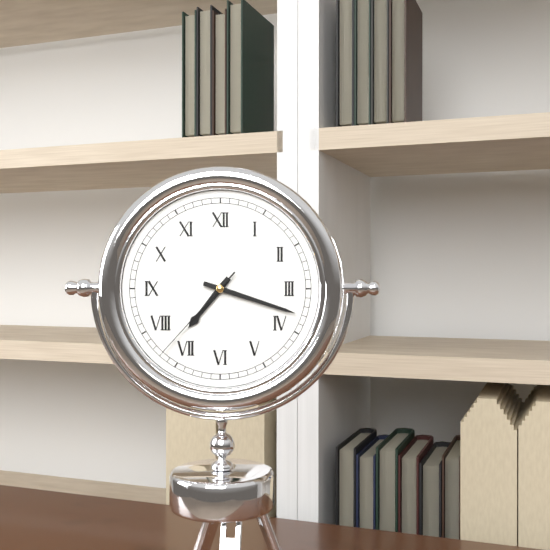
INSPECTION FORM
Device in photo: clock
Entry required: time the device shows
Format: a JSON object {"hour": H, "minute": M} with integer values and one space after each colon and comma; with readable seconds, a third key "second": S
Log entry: {"hour": 7, "minute": 18, "second": 37}
